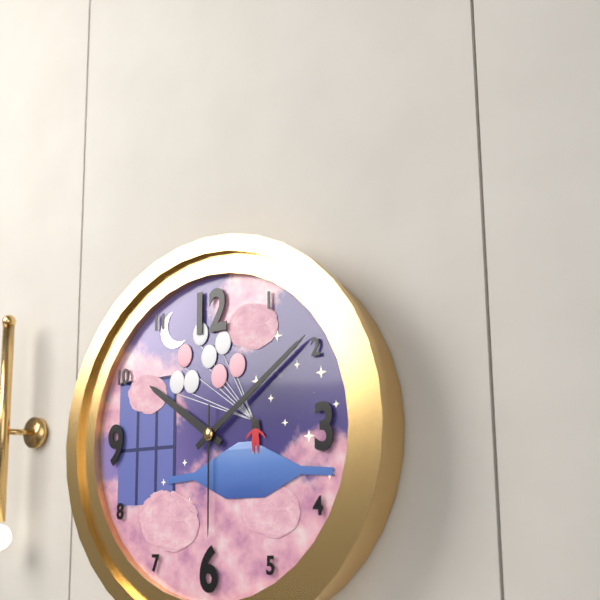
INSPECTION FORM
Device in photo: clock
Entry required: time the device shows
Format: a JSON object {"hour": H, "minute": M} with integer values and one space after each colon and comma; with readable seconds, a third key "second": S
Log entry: {"hour": 10, "minute": 9, "second": 30}
